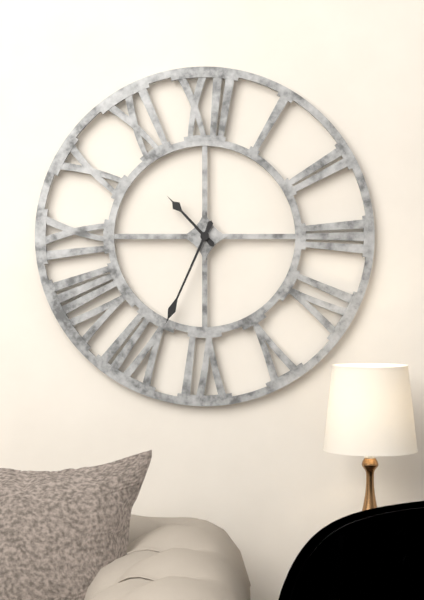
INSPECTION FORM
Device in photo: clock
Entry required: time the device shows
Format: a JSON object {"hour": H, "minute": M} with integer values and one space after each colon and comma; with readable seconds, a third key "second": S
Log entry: {"hour": 10, "minute": 34}
